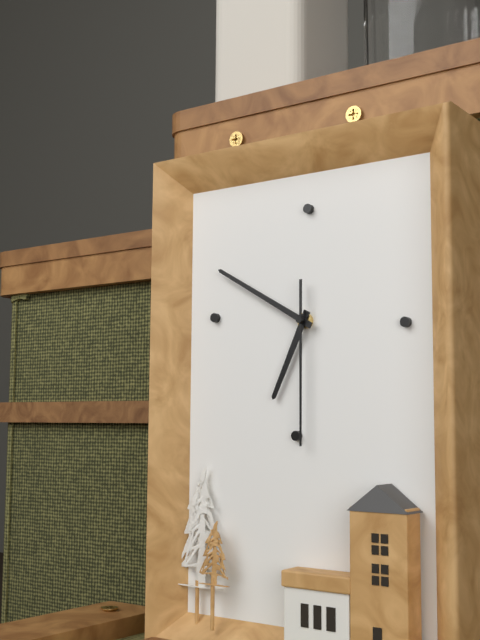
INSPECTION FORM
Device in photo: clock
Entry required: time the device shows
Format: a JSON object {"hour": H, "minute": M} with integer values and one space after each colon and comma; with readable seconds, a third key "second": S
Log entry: {"hour": 6, "minute": 50, "second": 30}
